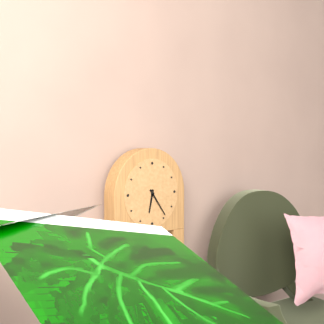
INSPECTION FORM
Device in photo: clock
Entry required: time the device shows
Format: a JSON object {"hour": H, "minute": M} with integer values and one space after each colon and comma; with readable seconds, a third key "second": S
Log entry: {"hour": 6, "minute": 24}
